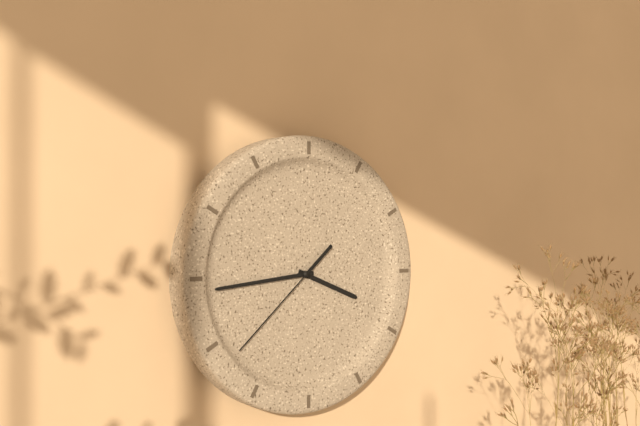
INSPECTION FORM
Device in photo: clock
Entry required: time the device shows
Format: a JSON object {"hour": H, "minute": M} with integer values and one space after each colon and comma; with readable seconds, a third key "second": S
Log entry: {"hour": 3, "minute": 44, "second": 38}
